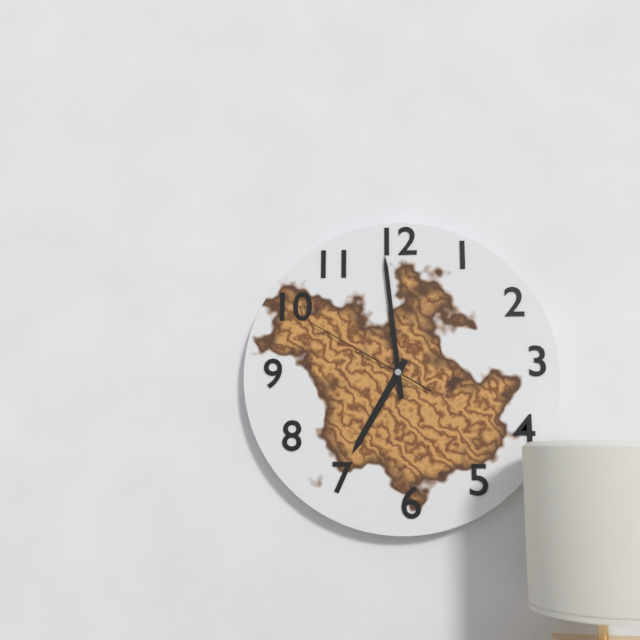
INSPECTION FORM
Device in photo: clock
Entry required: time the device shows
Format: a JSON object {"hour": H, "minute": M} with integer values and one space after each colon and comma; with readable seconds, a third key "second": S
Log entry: {"hour": 6, "minute": 59, "second": 50}
